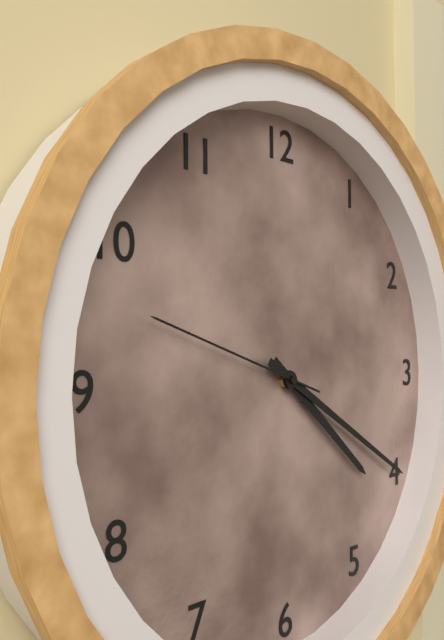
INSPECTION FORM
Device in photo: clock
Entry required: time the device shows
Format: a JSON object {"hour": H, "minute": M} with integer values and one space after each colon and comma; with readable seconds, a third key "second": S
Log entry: {"hour": 4, "minute": 20, "second": 48}
